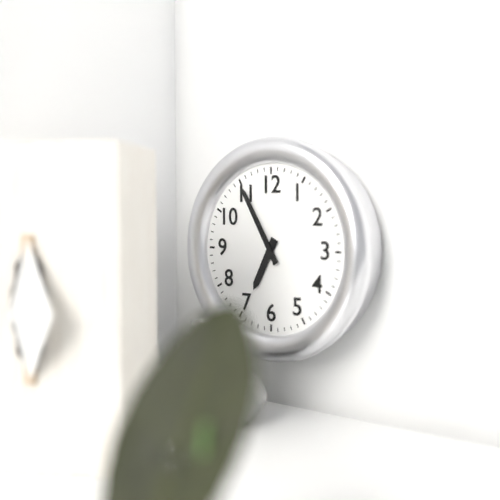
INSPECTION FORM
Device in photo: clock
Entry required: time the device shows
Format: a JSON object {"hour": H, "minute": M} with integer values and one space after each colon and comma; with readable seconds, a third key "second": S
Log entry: {"hour": 6, "minute": 55}
